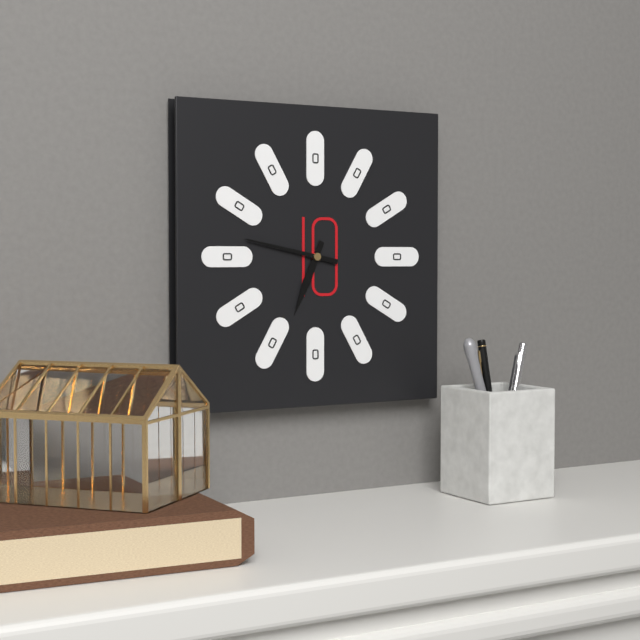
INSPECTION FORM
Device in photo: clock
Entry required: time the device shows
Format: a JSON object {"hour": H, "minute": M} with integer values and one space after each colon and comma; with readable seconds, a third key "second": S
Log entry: {"hour": 6, "minute": 47}
